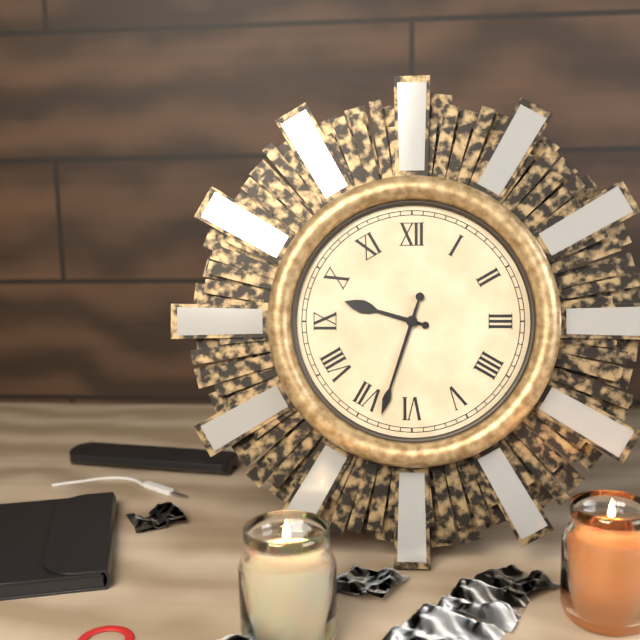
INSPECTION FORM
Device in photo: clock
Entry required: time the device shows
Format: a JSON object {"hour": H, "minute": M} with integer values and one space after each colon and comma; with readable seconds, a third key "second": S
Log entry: {"hour": 9, "minute": 33}
